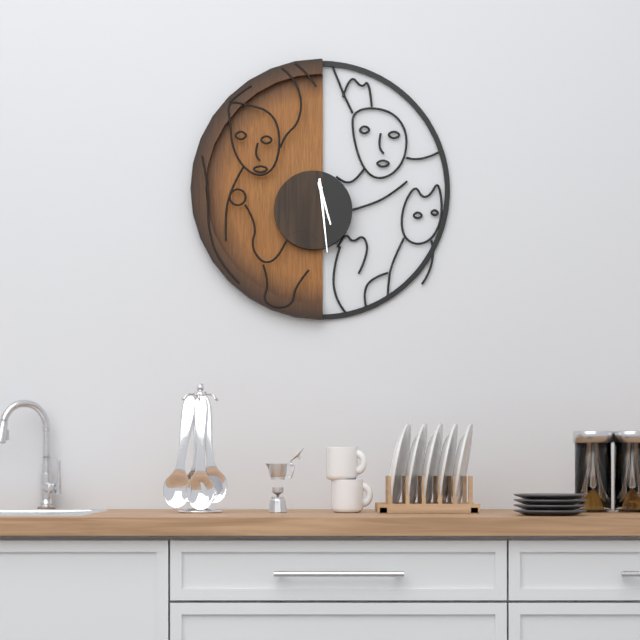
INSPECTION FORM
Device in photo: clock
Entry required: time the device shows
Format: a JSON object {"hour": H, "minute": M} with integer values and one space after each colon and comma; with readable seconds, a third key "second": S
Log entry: {"hour": 5, "minute": 29}
